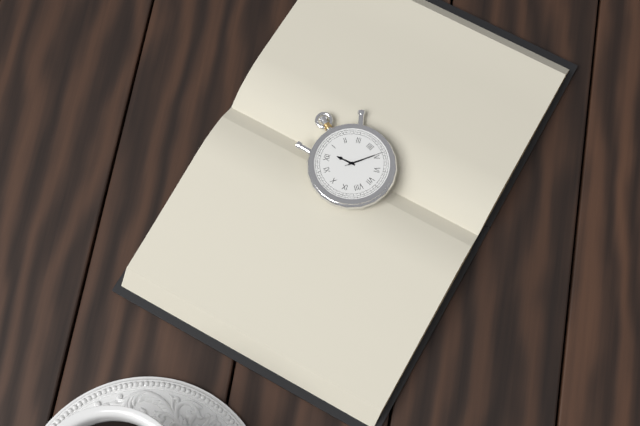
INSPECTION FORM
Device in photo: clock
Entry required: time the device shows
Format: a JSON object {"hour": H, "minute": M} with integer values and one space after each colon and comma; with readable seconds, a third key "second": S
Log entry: {"hour": 12, "minute": 24}
